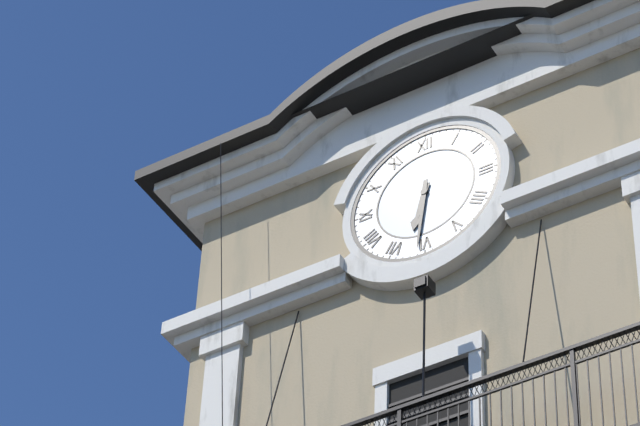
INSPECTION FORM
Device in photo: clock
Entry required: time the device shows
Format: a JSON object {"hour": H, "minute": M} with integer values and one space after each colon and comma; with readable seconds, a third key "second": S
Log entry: {"hour": 6, "minute": 31}
